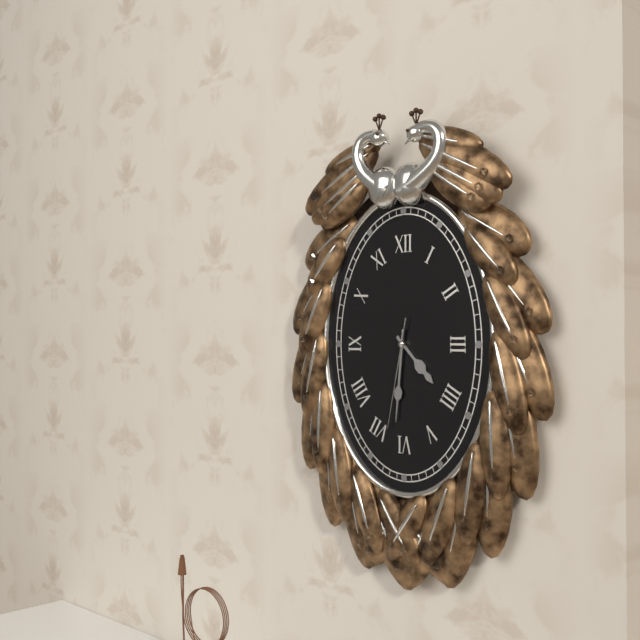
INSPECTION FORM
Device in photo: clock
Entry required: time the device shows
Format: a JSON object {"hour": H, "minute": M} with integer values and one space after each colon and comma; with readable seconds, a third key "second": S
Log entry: {"hour": 4, "minute": 31, "second": 32}
